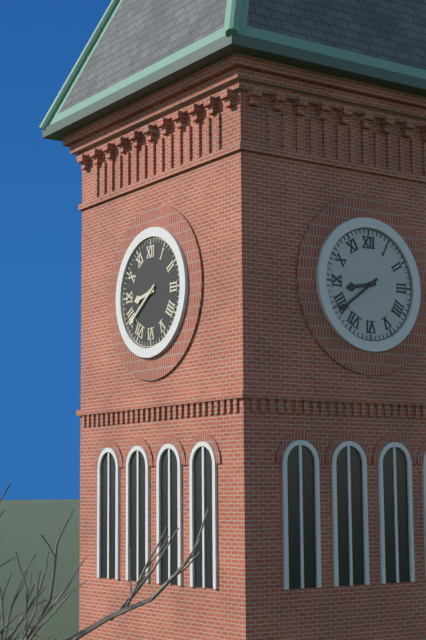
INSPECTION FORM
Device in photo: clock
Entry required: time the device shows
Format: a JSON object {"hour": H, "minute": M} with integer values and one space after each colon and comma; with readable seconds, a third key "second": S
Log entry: {"hour": 8, "minute": 39}
